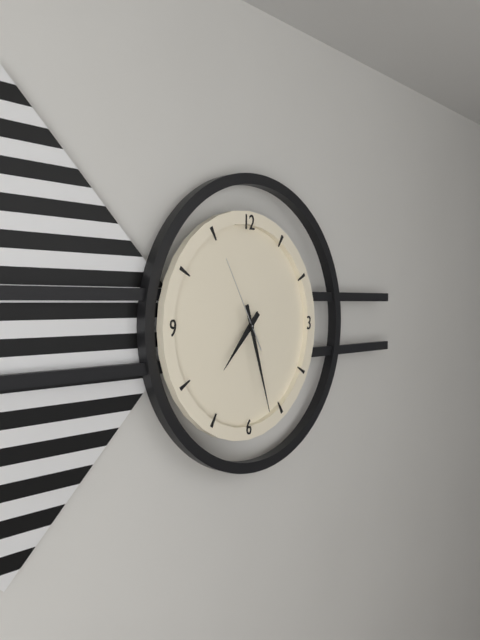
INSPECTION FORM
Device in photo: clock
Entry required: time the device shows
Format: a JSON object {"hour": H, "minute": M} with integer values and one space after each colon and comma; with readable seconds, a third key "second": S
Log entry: {"hour": 7, "minute": 27, "second": 55}
